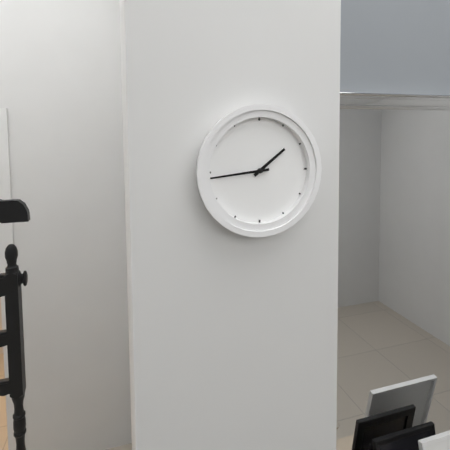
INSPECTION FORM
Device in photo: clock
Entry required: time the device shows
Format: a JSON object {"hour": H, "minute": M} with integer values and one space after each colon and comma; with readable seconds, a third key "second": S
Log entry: {"hour": 1, "minute": 44}
